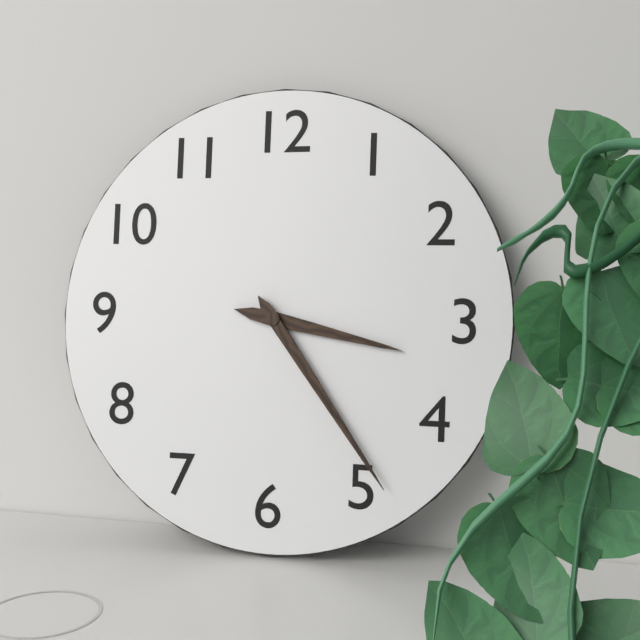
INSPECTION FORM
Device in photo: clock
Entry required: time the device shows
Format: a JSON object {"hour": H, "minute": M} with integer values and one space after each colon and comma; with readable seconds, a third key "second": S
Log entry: {"hour": 3, "minute": 24}
